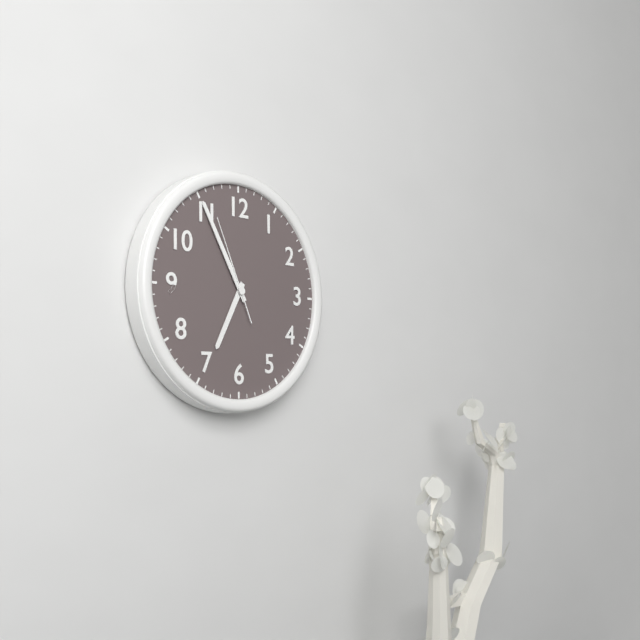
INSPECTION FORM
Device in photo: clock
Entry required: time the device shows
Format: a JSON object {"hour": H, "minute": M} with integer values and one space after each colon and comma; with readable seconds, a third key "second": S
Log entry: {"hour": 6, "minute": 55, "second": 56}
